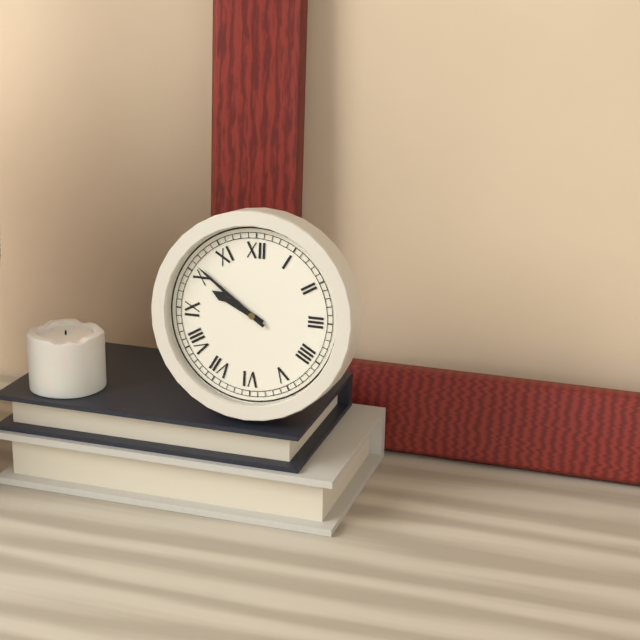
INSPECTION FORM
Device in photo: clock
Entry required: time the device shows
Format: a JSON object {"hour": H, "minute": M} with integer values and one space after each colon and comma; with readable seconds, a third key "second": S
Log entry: {"hour": 9, "minute": 51}
